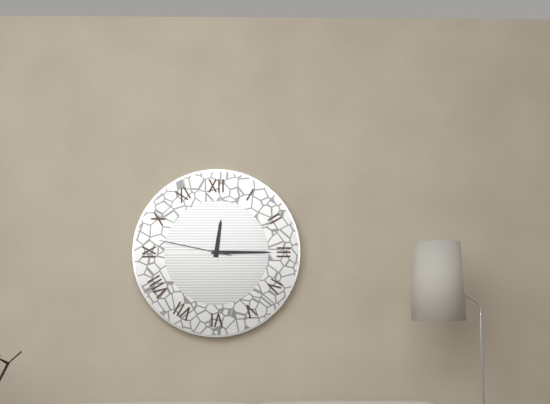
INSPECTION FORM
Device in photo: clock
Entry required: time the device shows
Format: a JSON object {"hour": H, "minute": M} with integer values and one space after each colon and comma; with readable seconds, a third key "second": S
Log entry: {"hour": 12, "minute": 15, "second": 47}
